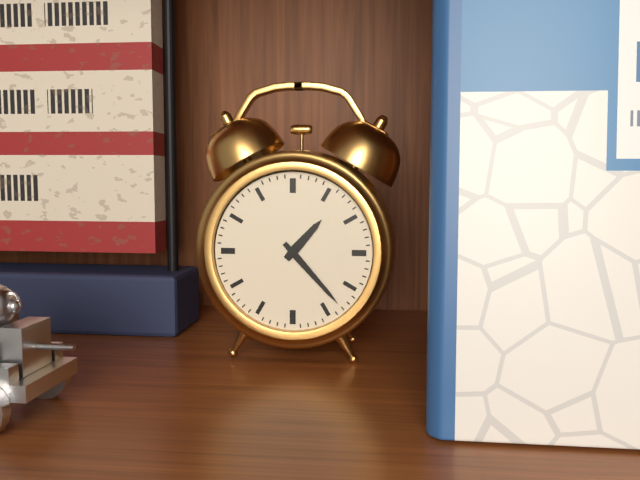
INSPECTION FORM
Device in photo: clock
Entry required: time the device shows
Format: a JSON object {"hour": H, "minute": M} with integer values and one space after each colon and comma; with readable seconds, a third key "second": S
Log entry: {"hour": 1, "minute": 23}
